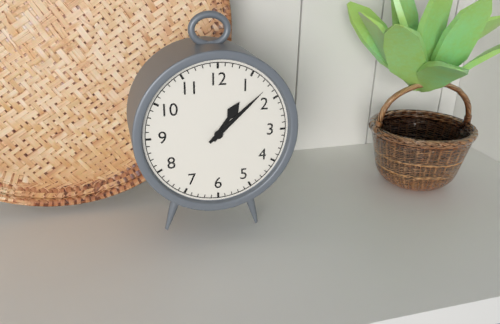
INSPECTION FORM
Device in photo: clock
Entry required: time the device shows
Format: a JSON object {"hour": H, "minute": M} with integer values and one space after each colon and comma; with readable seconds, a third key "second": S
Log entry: {"hour": 1, "minute": 8}
